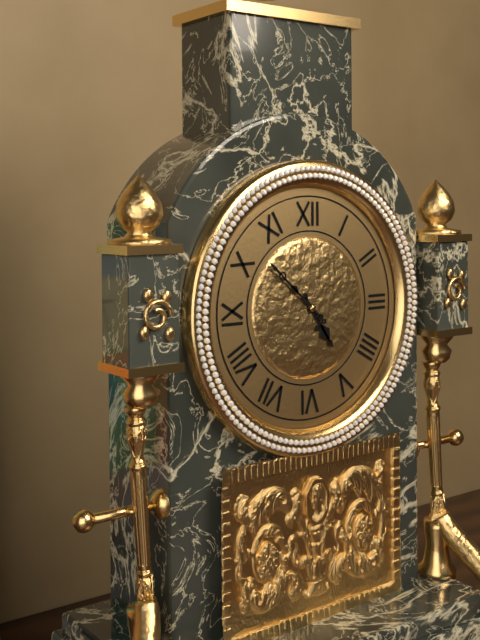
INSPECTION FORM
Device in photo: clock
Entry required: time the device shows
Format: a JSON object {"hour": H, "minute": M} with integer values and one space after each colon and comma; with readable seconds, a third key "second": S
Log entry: {"hour": 4, "minute": 52}
